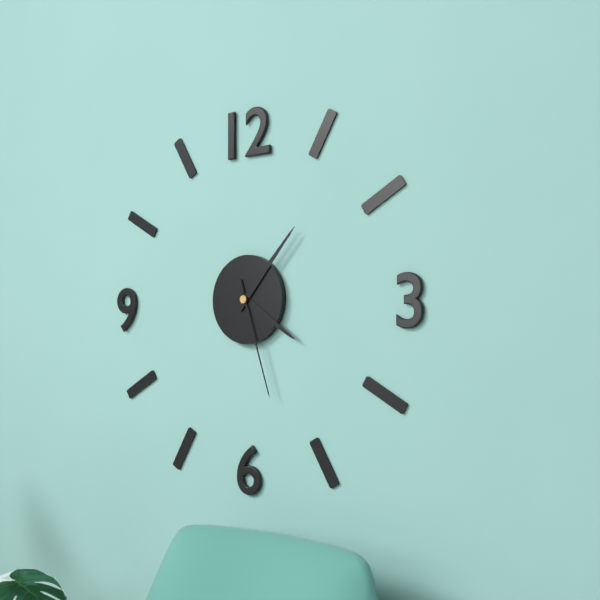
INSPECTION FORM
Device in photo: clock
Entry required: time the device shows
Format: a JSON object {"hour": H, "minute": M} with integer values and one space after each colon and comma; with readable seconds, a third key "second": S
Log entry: {"hour": 4, "minute": 7, "second": 27}
